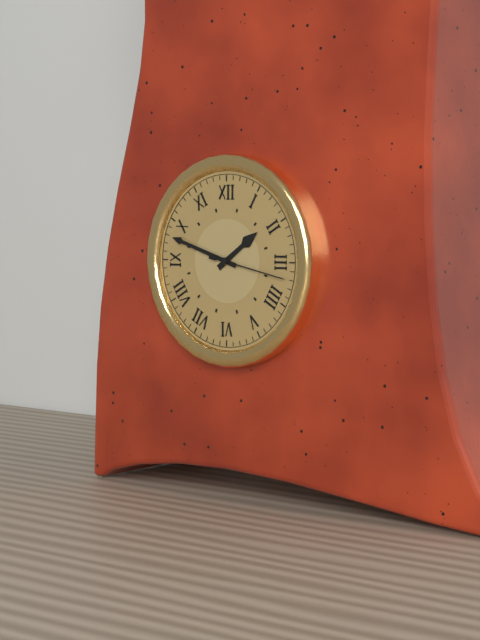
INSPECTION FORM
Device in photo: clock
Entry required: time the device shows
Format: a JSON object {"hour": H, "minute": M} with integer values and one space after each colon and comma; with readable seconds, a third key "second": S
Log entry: {"hour": 1, "minute": 48, "second": 17}
